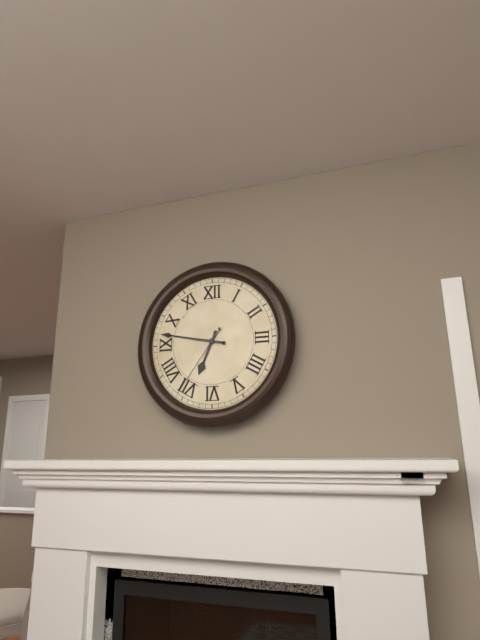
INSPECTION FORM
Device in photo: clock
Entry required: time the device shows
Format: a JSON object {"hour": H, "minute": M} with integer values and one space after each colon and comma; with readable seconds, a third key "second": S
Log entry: {"hour": 6, "minute": 47, "second": 36}
